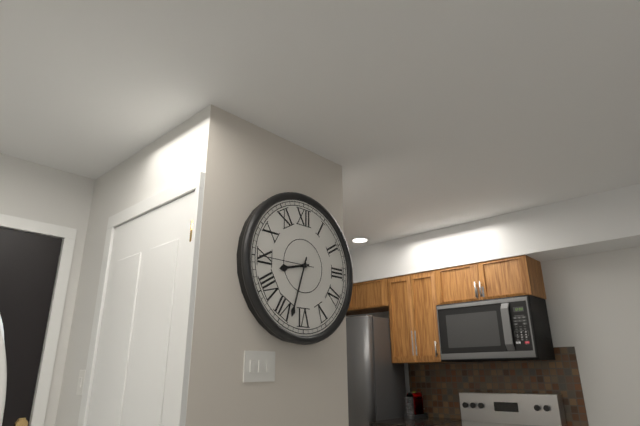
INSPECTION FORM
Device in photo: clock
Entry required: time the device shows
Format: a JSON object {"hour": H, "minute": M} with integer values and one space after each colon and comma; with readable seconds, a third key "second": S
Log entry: {"hour": 8, "minute": 33, "second": 45}
